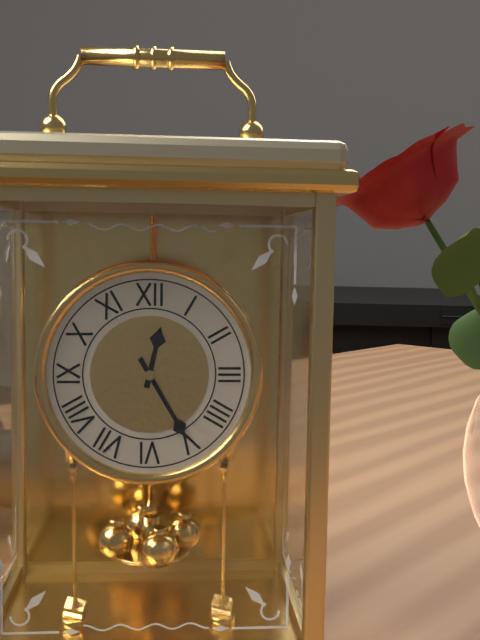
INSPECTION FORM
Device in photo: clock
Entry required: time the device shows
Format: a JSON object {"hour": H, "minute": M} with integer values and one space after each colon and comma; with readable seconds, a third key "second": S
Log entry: {"hour": 12, "minute": 25}
